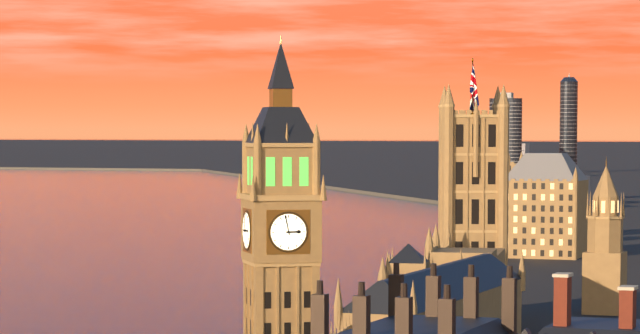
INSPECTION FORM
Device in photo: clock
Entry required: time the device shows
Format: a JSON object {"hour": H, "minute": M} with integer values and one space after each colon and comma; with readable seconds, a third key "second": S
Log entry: {"hour": 2, "minute": 58}
